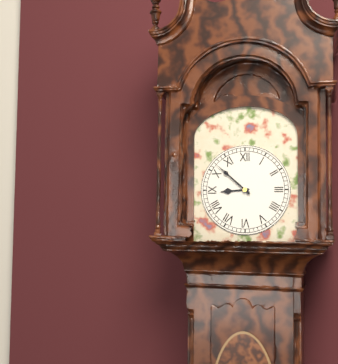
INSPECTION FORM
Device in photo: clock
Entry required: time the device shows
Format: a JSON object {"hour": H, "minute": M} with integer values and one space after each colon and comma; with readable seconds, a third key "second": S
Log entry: {"hour": 8, "minute": 52}
